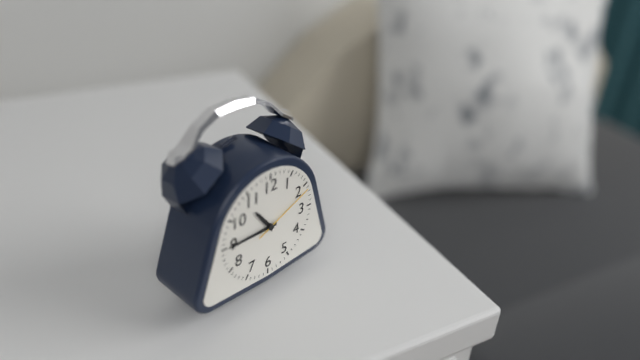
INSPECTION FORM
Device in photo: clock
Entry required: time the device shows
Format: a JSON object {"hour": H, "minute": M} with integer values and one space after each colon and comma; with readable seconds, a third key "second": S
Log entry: {"hour": 10, "minute": 45, "second": 11}
